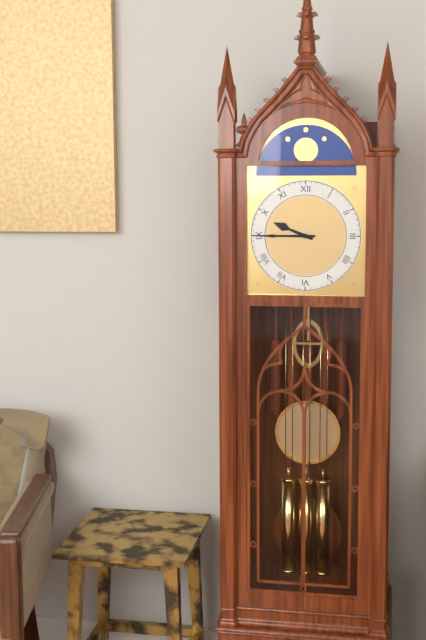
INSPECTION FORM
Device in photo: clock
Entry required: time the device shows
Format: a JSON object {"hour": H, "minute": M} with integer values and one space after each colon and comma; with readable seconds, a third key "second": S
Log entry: {"hour": 9, "minute": 45}
